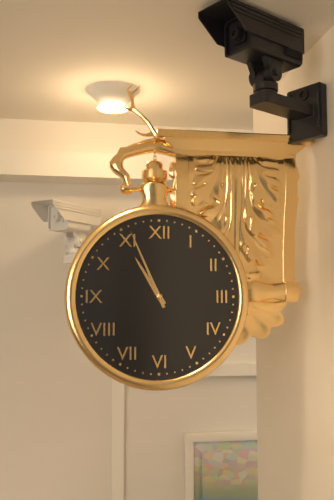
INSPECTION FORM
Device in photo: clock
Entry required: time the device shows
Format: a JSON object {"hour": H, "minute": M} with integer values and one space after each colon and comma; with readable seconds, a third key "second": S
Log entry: {"hour": 10, "minute": 56}
